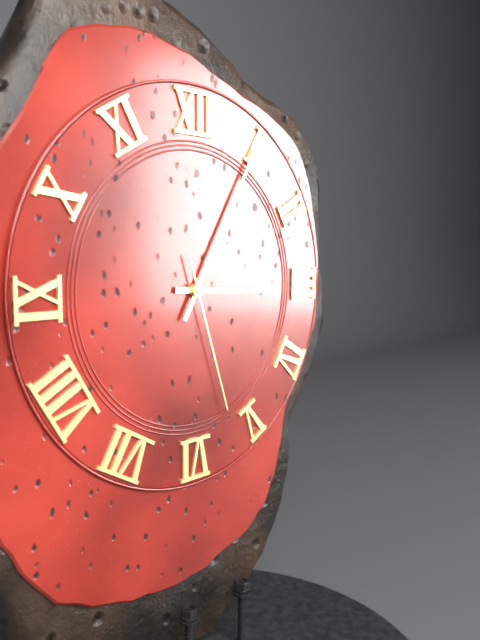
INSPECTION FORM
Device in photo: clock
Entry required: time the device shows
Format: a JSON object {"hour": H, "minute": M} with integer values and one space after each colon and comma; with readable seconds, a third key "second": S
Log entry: {"hour": 3, "minute": 5, "second": 27}
